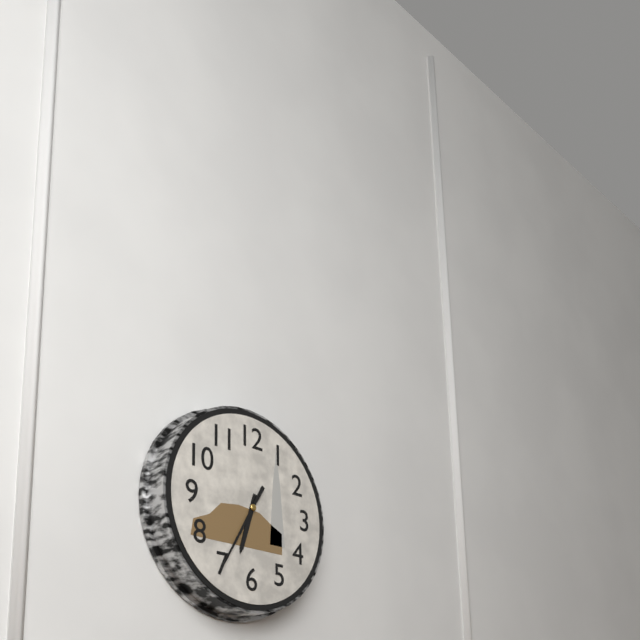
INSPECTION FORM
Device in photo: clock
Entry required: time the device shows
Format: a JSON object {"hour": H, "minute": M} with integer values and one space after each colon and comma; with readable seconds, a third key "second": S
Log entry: {"hour": 6, "minute": 35}
